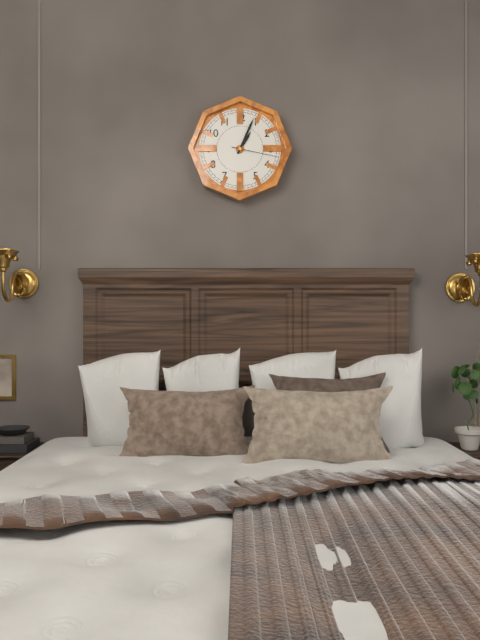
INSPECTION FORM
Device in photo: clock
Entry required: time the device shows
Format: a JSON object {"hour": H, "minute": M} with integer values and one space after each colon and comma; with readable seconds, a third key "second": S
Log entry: {"hour": 1, "minute": 4}
